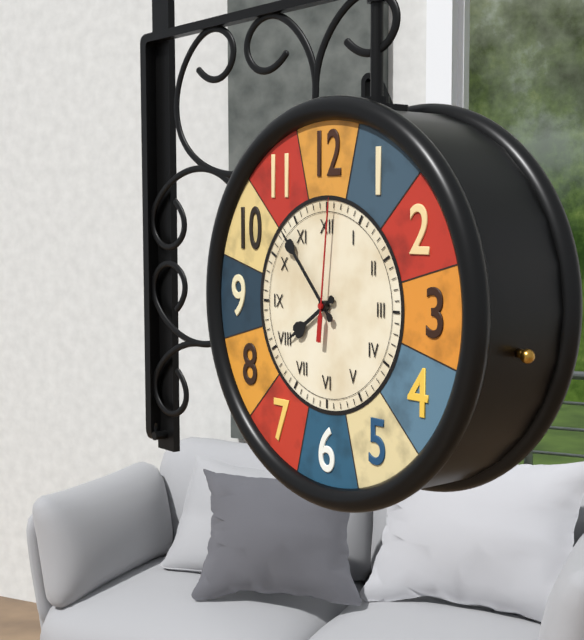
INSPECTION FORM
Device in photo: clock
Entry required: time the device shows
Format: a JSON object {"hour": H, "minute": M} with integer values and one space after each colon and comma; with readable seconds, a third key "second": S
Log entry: {"hour": 7, "minute": 53, "second": 1}
